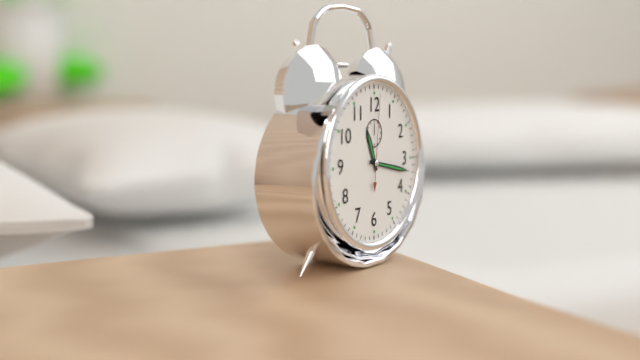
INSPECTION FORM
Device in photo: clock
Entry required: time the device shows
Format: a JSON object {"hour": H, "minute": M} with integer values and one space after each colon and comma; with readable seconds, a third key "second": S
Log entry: {"hour": 11, "minute": 17, "second": 1}
